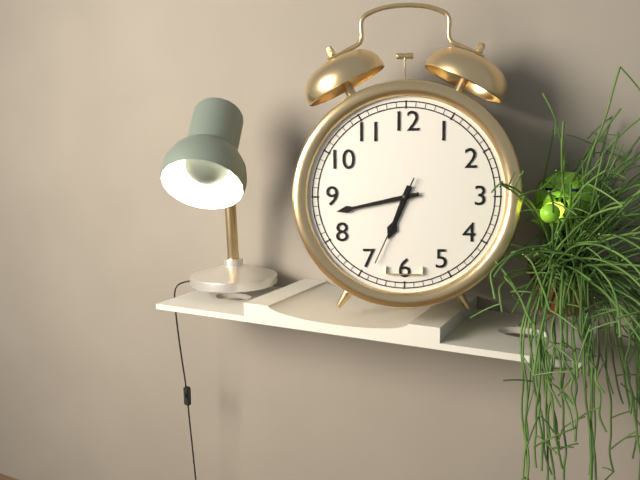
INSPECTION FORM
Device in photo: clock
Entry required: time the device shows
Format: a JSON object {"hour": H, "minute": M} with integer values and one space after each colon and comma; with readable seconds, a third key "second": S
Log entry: {"hour": 6, "minute": 43, "second": 34}
